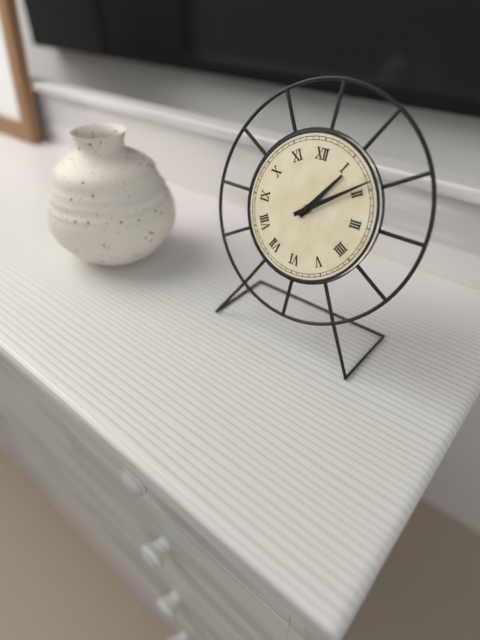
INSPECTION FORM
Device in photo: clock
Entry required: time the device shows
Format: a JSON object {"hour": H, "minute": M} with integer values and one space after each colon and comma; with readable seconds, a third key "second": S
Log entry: {"hour": 1, "minute": 9}
